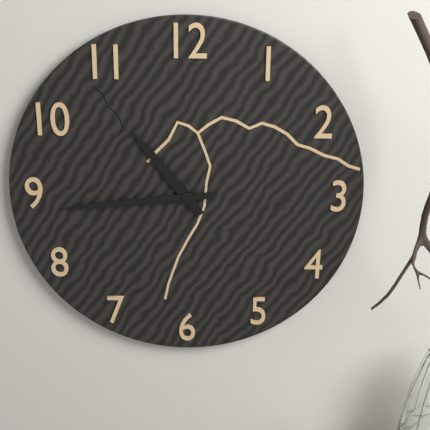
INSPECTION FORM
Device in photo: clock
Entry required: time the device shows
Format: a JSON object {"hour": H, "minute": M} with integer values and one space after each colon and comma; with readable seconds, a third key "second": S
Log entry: {"hour": 10, "minute": 44}
